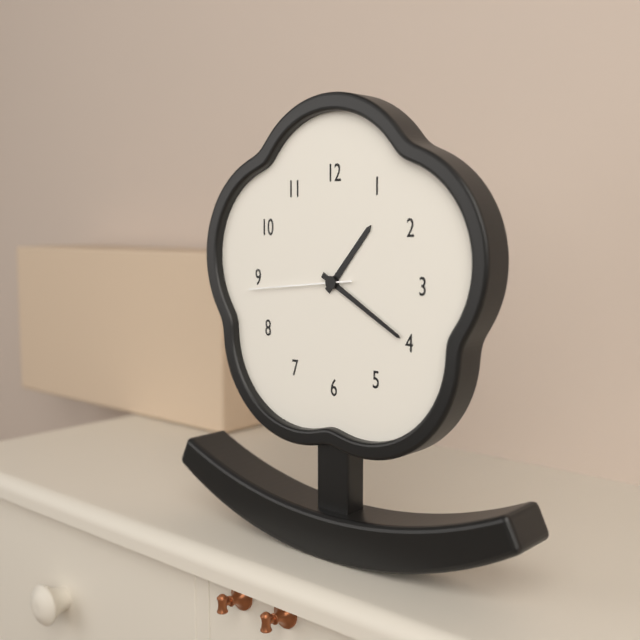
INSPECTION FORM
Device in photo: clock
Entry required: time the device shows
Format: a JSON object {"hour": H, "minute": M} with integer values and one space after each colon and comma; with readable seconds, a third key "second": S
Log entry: {"hour": 1, "minute": 20, "second": 44}
